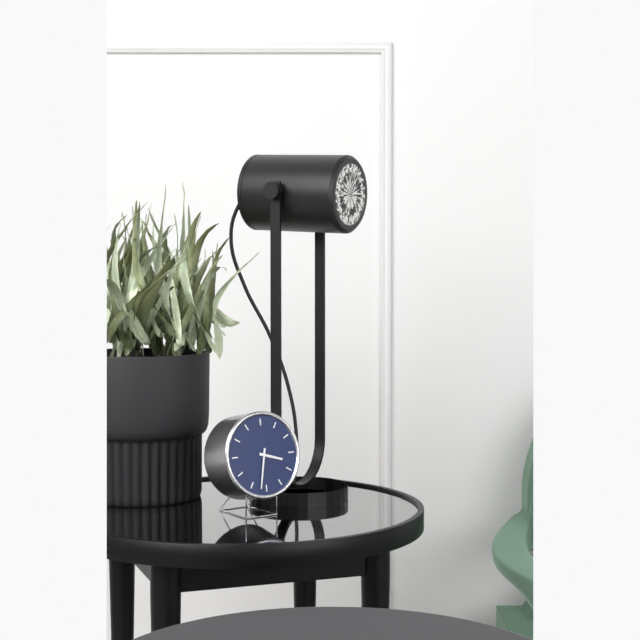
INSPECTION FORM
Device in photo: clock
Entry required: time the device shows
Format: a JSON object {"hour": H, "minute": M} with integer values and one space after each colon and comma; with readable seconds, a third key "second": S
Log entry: {"hour": 3, "minute": 32}
